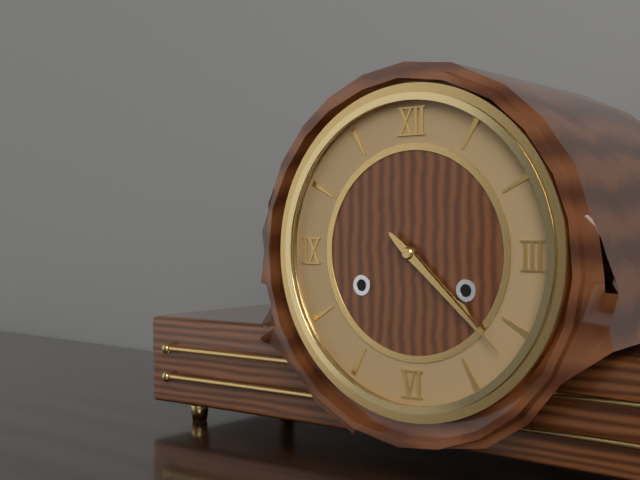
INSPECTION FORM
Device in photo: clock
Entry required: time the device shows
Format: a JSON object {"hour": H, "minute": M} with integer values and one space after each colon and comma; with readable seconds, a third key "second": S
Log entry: {"hour": 4, "minute": 22}
